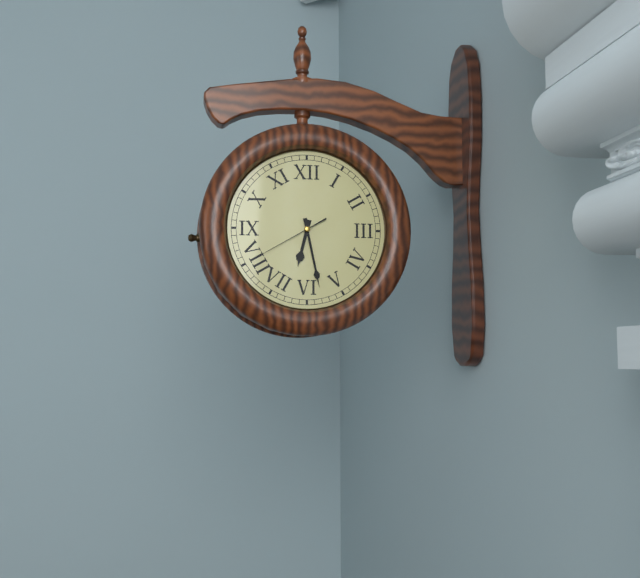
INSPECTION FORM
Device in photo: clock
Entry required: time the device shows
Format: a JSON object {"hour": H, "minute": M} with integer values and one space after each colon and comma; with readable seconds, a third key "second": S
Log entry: {"hour": 6, "minute": 28, "second": 40}
